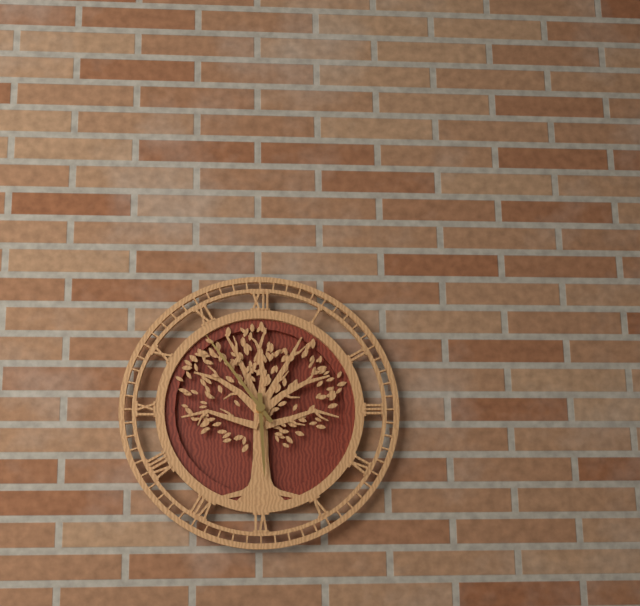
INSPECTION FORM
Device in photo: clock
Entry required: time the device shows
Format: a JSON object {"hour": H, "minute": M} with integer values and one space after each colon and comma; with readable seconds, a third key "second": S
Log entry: {"hour": 5, "minute": 54}
